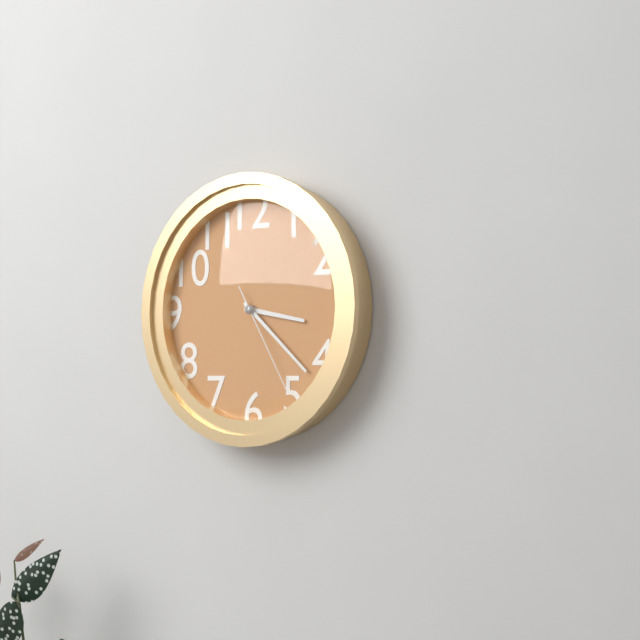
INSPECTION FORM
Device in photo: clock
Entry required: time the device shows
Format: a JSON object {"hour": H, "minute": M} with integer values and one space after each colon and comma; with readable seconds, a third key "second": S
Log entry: {"hour": 3, "minute": 22, "second": 25}
